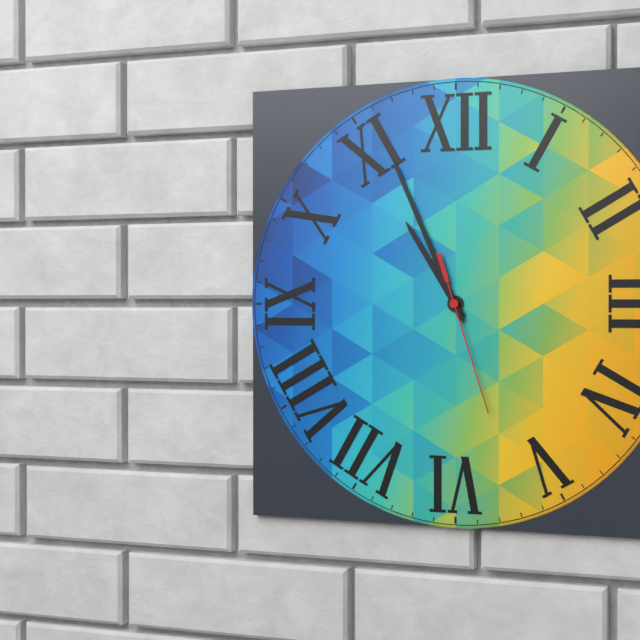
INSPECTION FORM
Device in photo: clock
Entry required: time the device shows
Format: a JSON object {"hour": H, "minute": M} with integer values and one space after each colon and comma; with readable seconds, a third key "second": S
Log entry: {"hour": 10, "minute": 56, "second": 27}
